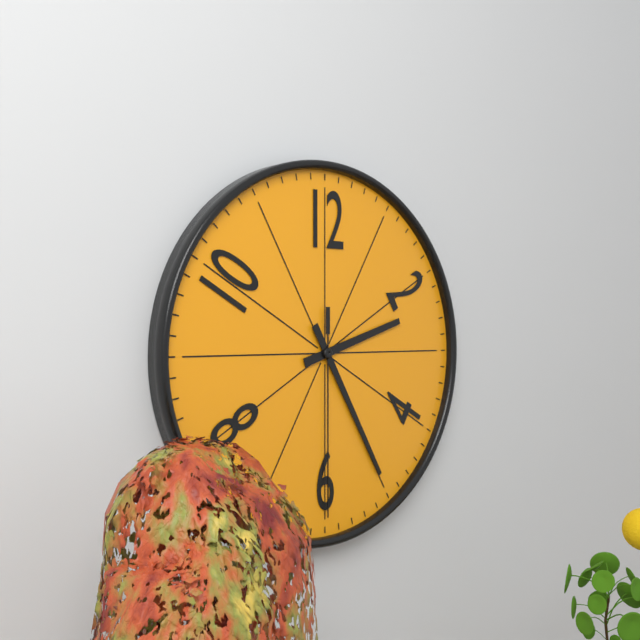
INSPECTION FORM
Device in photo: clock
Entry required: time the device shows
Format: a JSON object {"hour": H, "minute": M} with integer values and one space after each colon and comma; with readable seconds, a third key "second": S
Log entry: {"hour": 2, "minute": 25, "second": 30}
